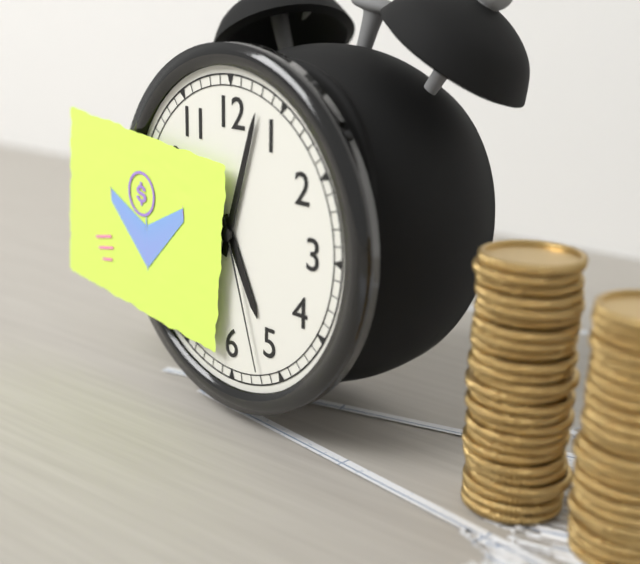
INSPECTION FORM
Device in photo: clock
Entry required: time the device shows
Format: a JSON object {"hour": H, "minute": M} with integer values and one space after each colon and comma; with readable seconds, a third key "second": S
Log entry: {"hour": 5, "minute": 3, "second": 27}
